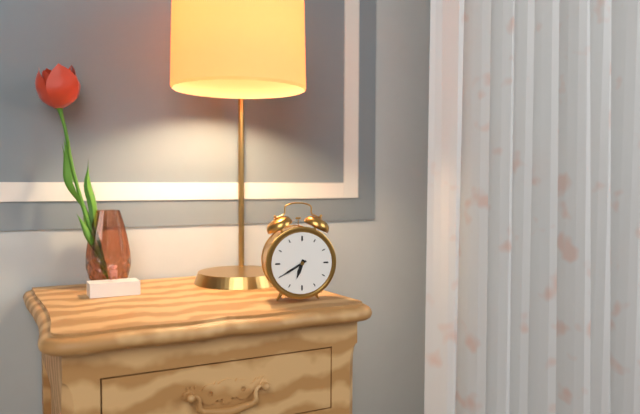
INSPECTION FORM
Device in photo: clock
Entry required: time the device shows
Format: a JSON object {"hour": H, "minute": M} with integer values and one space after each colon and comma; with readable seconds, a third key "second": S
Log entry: {"hour": 6, "minute": 40}
